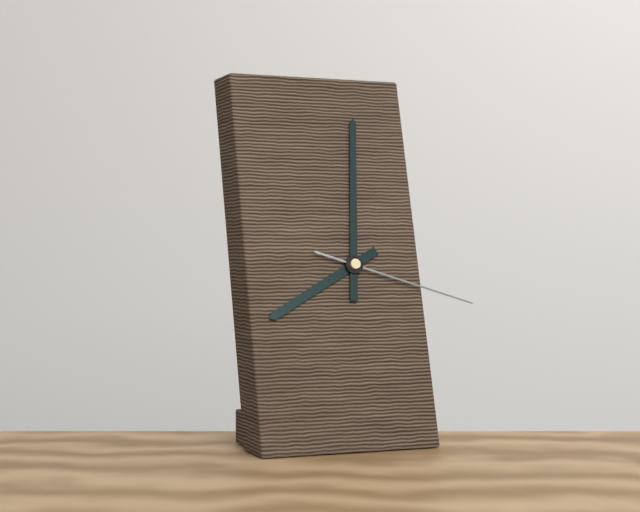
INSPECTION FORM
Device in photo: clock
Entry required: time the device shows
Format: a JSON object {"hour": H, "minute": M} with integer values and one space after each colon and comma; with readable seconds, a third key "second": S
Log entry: {"hour": 8, "minute": 1, "second": 18}
